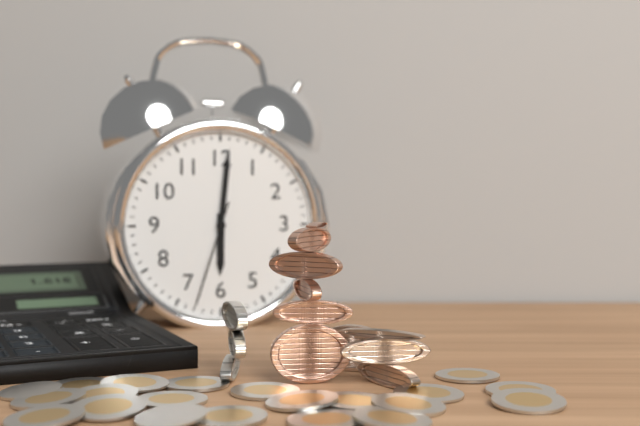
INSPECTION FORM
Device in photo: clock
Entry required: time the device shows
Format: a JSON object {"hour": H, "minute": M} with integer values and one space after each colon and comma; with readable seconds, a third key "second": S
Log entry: {"hour": 6, "minute": 1, "second": 33}
